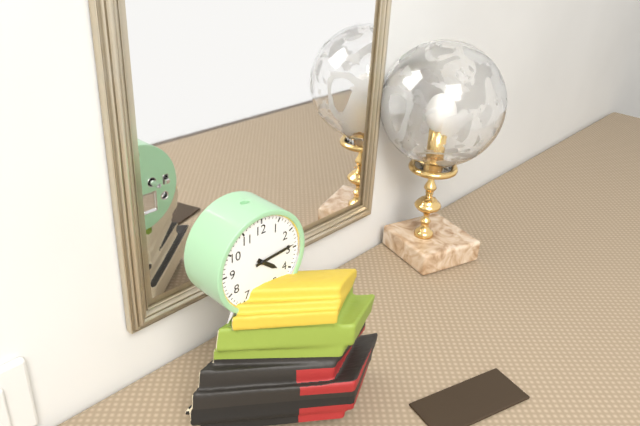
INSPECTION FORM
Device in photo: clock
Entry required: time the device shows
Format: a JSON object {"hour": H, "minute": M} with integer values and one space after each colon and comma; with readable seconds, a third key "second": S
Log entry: {"hour": 4, "minute": 14}
